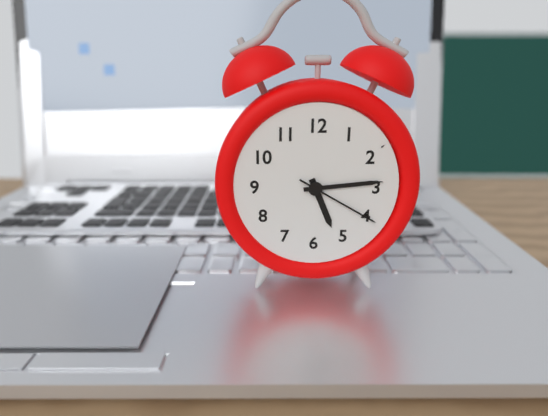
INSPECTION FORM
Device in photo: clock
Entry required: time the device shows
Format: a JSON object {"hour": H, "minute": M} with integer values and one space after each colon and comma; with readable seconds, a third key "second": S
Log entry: {"hour": 5, "minute": 14, "second": 20}
